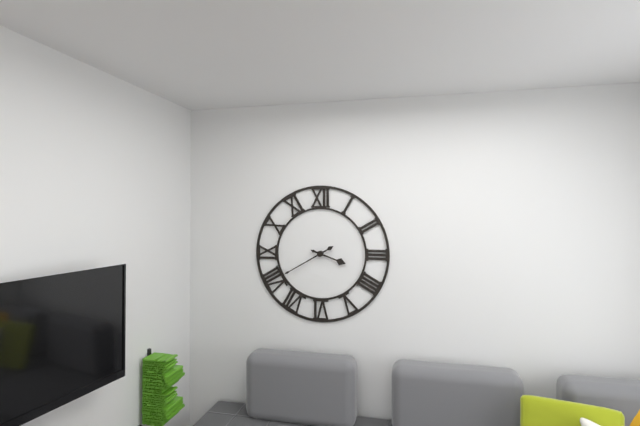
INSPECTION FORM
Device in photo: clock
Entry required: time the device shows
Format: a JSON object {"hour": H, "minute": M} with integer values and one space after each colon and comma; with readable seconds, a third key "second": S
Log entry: {"hour": 3, "minute": 40}
